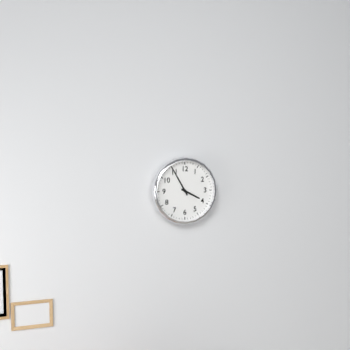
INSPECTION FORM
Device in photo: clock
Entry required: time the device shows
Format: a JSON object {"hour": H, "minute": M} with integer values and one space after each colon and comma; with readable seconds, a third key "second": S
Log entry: {"hour": 3, "minute": 55}
